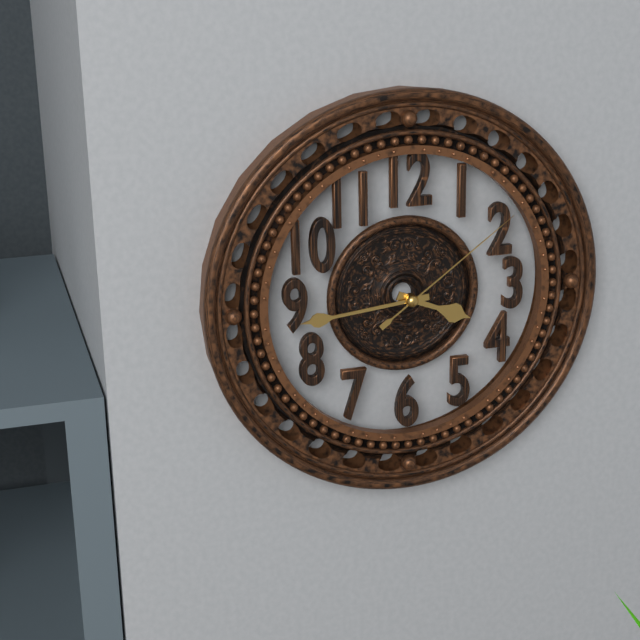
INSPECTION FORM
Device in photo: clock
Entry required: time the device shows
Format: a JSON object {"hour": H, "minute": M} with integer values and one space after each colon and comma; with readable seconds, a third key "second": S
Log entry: {"hour": 3, "minute": 44, "second": 9}
